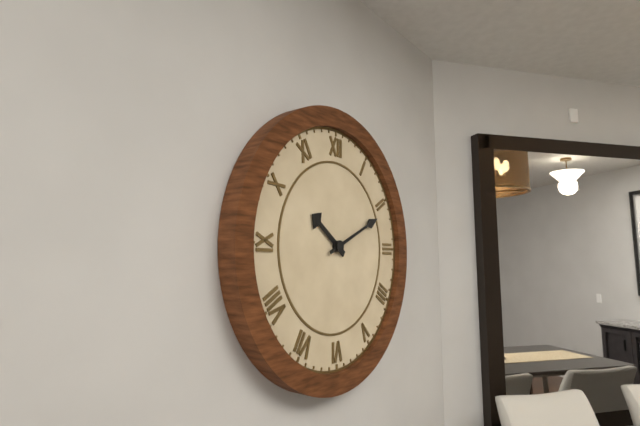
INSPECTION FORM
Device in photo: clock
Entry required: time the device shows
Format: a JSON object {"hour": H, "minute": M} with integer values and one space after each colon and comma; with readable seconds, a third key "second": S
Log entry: {"hour": 10, "minute": 11}
